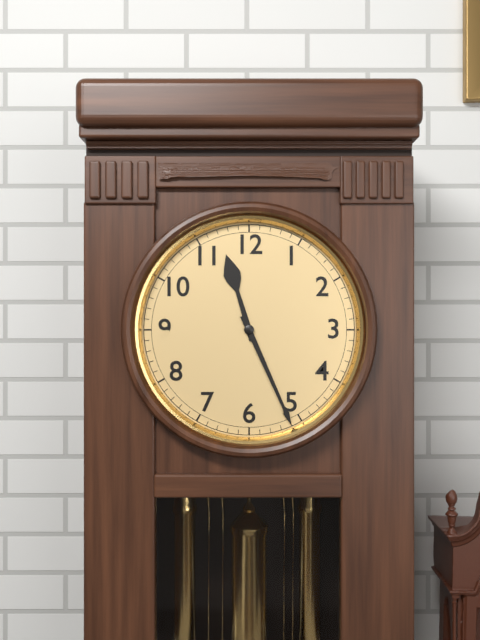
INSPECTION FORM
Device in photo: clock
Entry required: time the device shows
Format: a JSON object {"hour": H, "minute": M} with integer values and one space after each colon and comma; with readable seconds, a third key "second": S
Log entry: {"hour": 11, "minute": 26}
